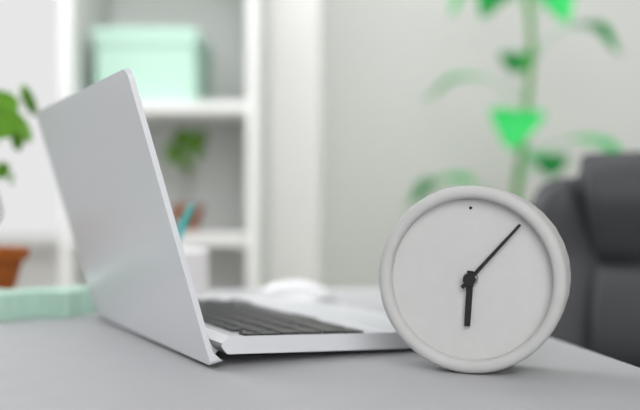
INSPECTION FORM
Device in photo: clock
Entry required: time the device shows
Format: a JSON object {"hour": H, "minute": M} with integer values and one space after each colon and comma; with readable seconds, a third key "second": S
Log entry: {"hour": 6, "minute": 7}
